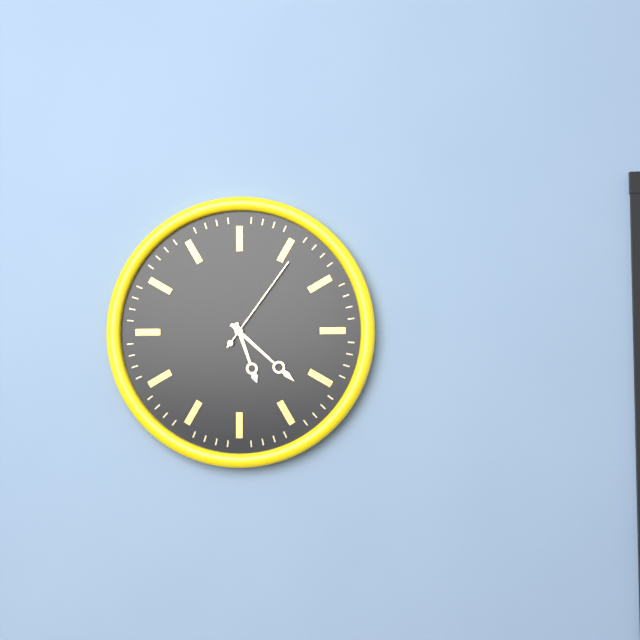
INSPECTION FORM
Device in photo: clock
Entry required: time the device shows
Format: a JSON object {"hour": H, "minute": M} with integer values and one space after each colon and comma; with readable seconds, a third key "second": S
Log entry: {"hour": 5, "minute": 22, "second": 6}
